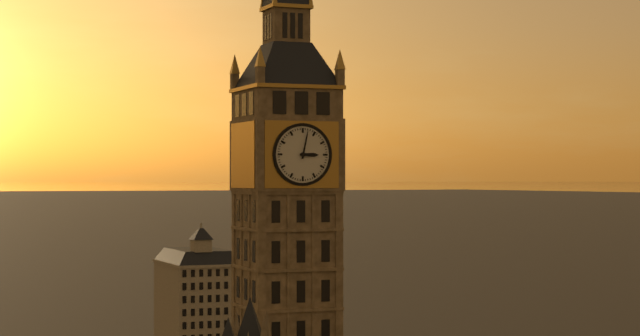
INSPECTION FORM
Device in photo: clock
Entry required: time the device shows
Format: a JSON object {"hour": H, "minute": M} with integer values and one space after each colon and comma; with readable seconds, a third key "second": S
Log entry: {"hour": 3, "minute": 2}
